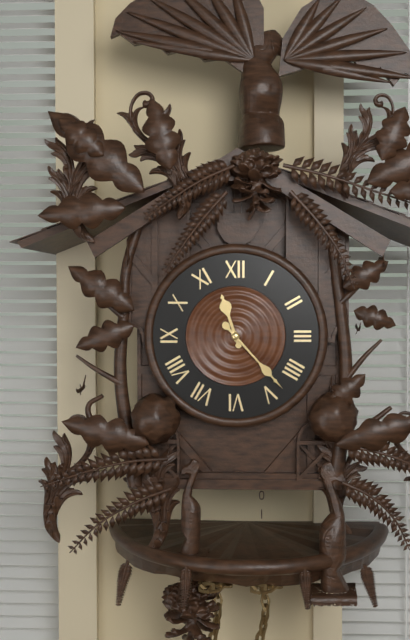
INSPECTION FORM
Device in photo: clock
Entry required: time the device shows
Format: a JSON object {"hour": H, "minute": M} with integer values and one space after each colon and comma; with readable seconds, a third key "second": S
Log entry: {"hour": 11, "minute": 23}
